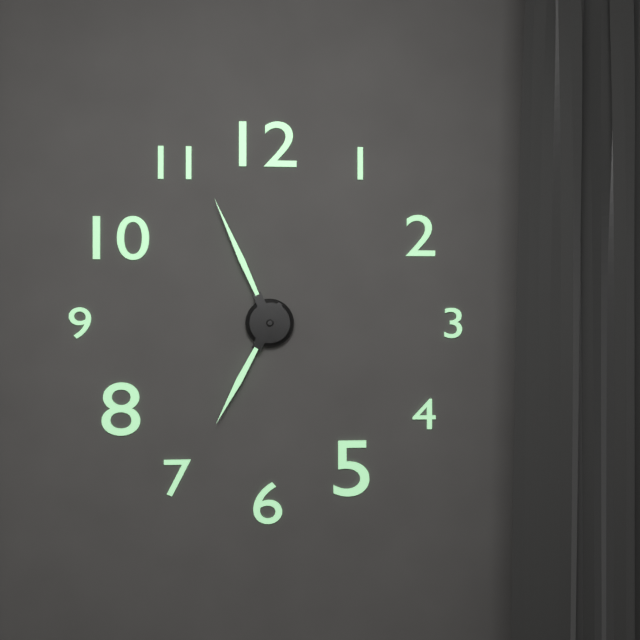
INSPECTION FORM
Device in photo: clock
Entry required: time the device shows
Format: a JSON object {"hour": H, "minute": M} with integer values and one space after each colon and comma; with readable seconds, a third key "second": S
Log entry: {"hour": 6, "minute": 56}
